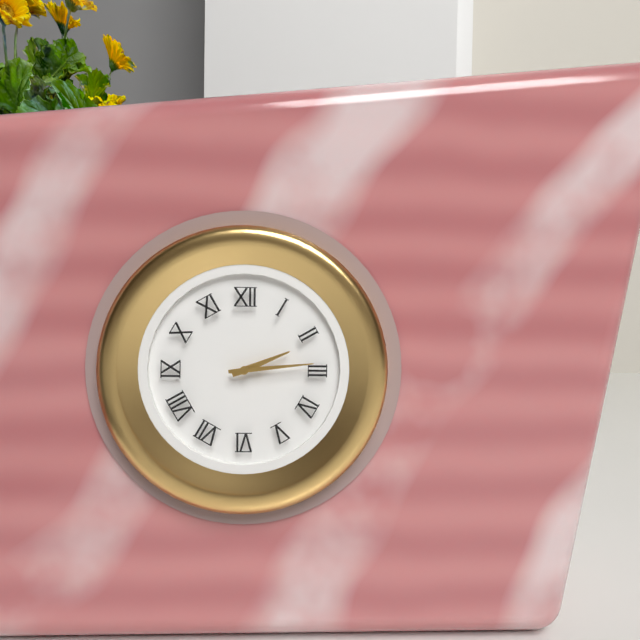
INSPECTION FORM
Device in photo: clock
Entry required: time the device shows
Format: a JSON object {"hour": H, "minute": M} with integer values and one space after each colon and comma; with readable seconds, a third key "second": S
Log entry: {"hour": 2, "minute": 14}
